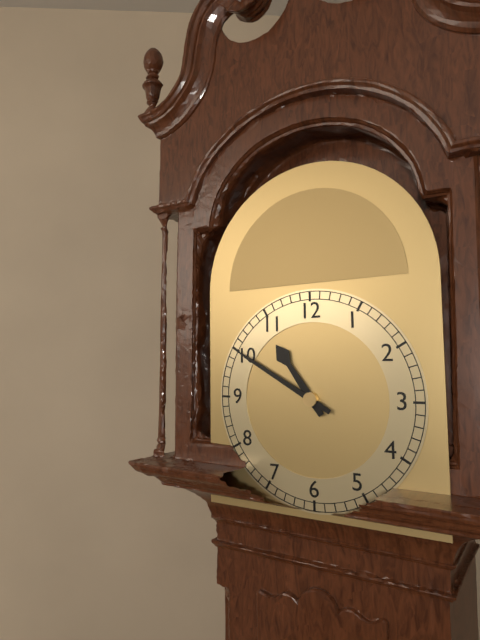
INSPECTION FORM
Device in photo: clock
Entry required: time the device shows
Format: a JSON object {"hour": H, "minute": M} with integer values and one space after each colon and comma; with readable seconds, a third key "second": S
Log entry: {"hour": 10, "minute": 50}
